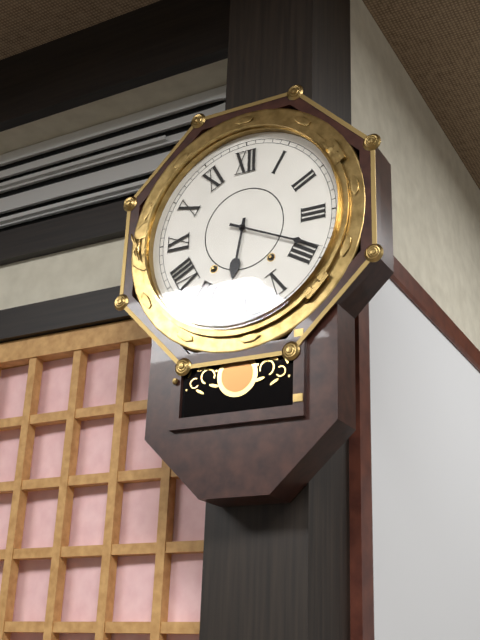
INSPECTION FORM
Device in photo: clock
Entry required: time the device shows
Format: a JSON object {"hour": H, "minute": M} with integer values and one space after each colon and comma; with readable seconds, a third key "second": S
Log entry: {"hour": 6, "minute": 19}
